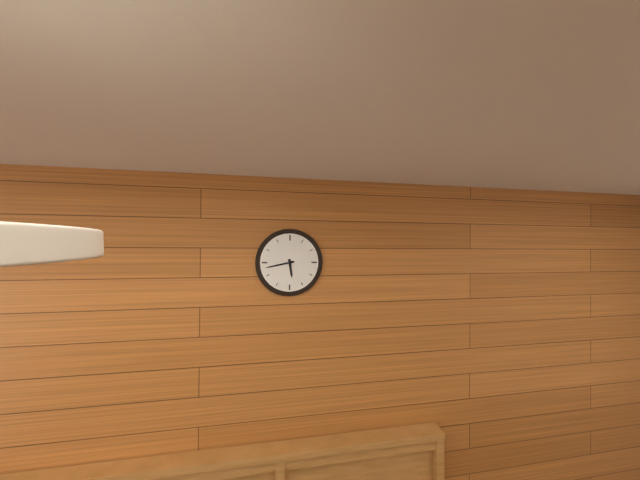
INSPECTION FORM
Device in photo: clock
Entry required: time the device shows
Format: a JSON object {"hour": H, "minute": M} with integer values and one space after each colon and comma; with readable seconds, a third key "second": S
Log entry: {"hour": 5, "minute": 43}
